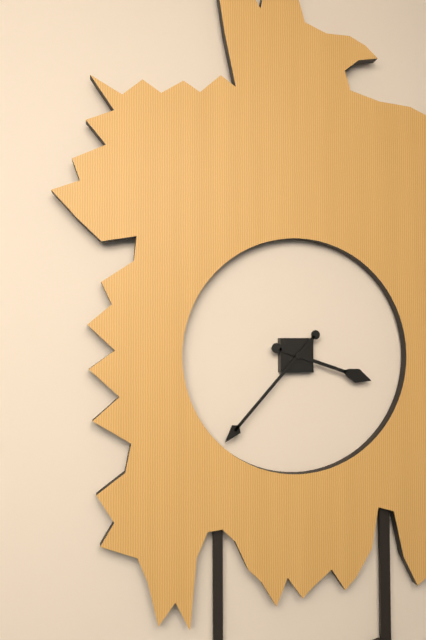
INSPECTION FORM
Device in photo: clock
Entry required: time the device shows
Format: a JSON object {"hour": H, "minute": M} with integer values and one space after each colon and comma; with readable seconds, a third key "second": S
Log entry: {"hour": 3, "minute": 37}
